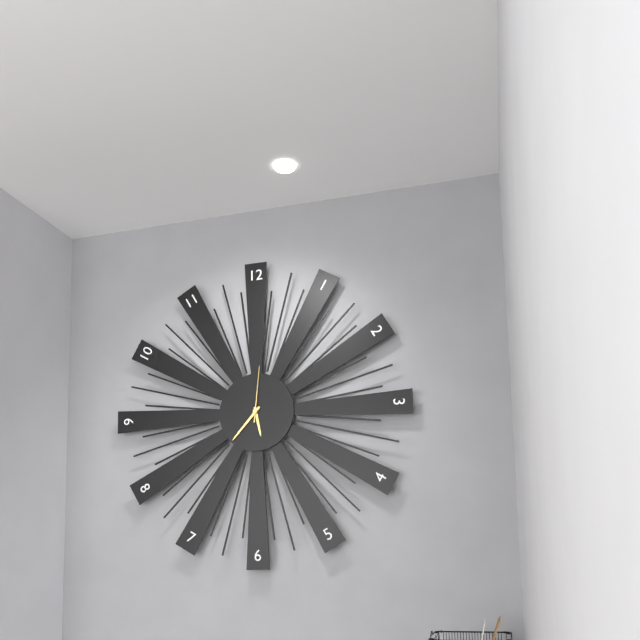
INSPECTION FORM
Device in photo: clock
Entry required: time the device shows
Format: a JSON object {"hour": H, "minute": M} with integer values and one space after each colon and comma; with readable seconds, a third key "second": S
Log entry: {"hour": 5, "minute": 37, "second": 1}
